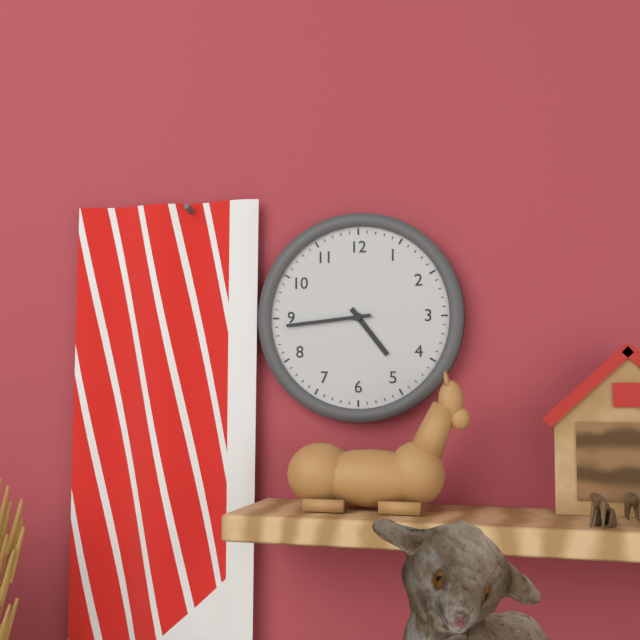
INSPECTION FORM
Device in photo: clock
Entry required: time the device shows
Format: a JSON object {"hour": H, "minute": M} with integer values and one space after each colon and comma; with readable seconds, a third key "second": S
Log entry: {"hour": 4, "minute": 44}
